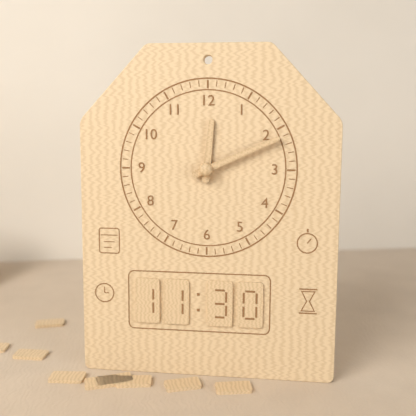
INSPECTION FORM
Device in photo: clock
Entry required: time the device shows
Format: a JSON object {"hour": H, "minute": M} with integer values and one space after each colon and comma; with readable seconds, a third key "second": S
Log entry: {"hour": 12, "minute": 11}
